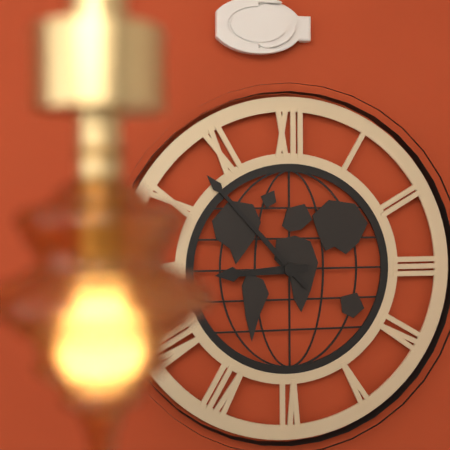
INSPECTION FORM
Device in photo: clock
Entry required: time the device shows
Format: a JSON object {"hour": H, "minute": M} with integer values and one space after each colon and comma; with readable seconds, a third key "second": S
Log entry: {"hour": 8, "minute": 53}
